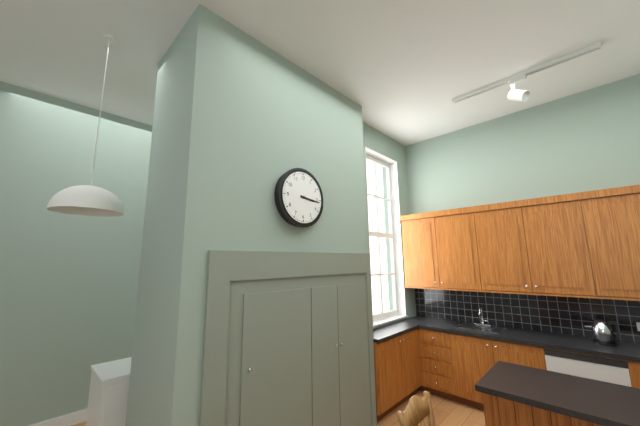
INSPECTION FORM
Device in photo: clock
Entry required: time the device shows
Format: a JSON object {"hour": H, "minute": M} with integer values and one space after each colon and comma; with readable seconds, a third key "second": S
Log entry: {"hour": 3, "minute": 16}
